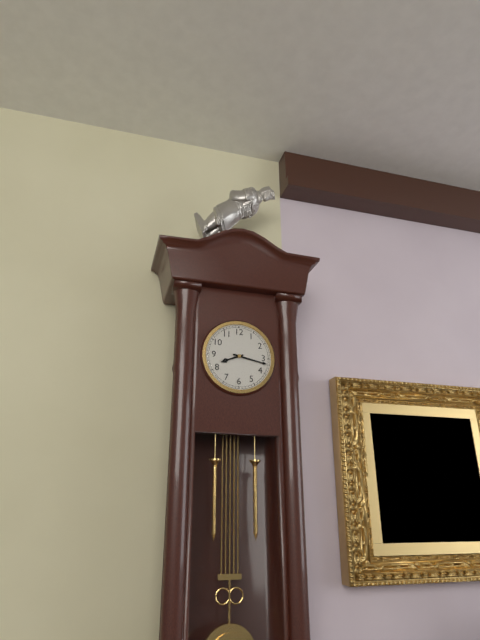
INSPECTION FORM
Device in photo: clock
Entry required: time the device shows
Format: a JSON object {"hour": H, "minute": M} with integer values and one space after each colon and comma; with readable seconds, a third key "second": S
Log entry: {"hour": 8, "minute": 17}
